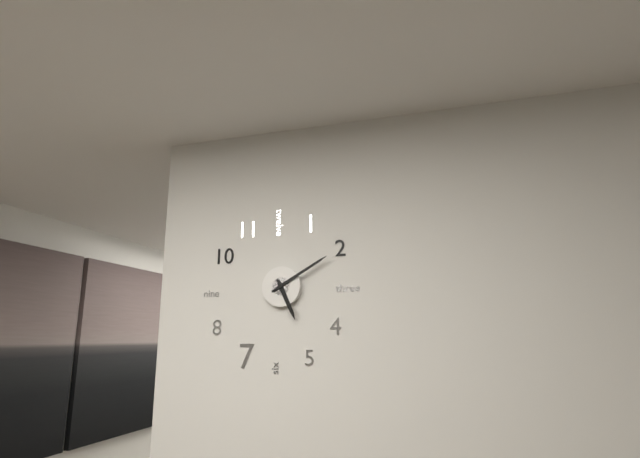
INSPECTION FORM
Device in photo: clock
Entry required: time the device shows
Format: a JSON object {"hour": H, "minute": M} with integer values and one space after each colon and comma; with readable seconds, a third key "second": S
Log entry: {"hour": 5, "minute": 10}
